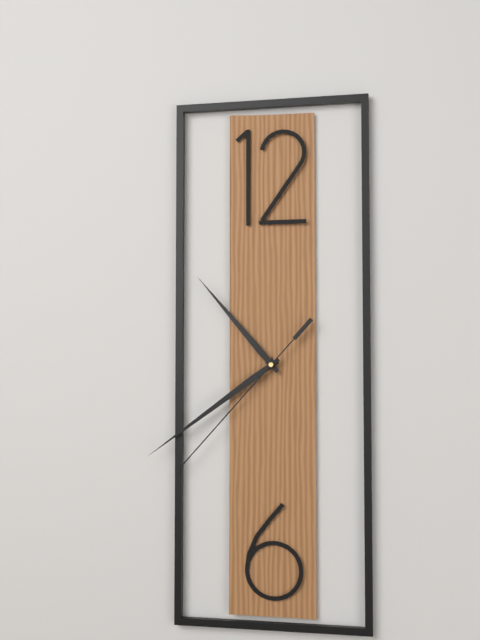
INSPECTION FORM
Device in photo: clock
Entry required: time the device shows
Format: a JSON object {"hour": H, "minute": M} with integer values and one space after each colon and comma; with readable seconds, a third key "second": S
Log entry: {"hour": 10, "minute": 39, "second": 37}
